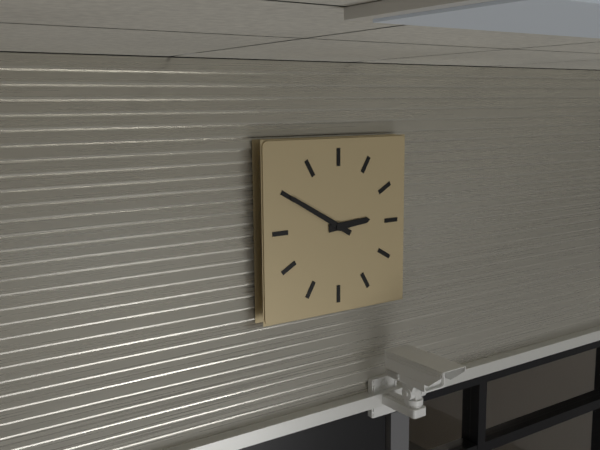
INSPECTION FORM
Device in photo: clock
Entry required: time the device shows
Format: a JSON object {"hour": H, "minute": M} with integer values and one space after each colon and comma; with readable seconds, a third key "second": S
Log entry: {"hour": 2, "minute": 50}
